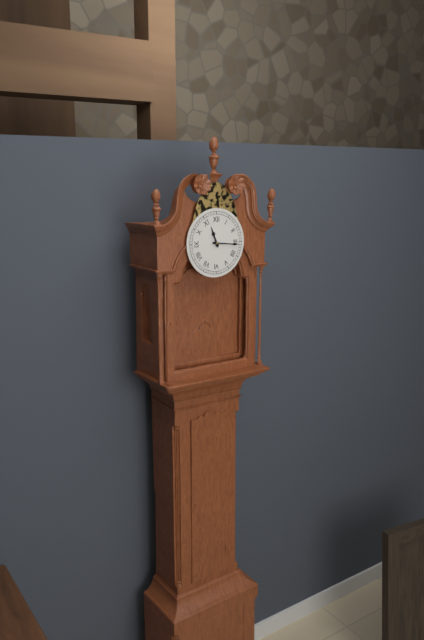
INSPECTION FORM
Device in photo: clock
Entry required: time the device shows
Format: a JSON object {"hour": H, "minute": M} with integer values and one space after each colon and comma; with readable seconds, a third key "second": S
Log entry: {"hour": 11, "minute": 16}
